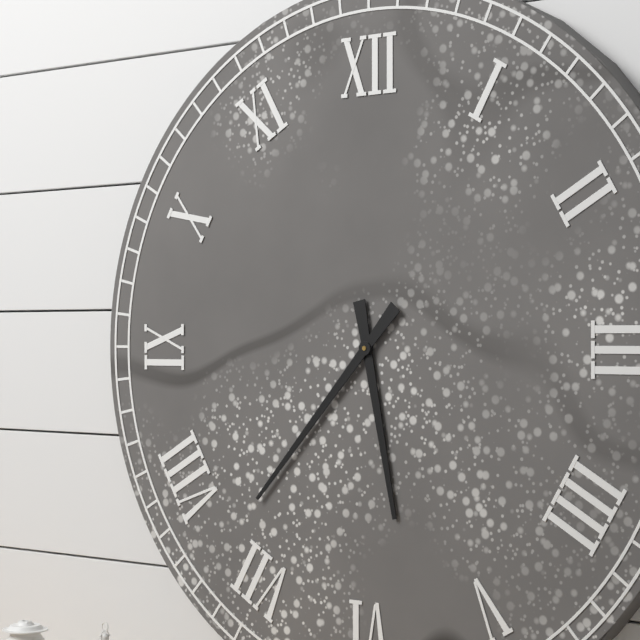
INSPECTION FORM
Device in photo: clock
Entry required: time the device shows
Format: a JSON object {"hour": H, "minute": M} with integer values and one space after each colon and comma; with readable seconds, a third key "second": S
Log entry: {"hour": 5, "minute": 37}
